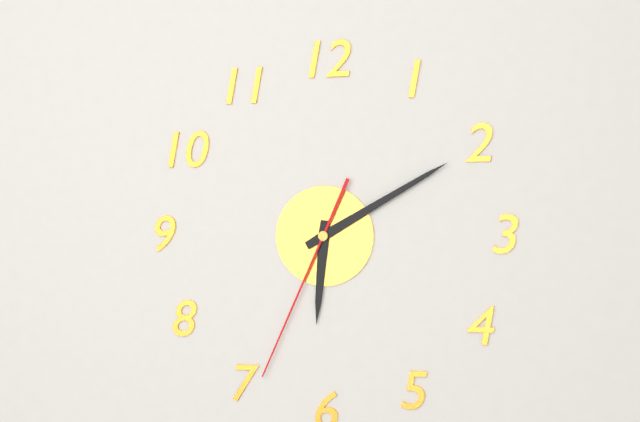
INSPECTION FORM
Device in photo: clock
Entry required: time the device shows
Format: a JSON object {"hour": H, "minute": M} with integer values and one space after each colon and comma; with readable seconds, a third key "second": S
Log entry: {"hour": 6, "minute": 10, "second": 34}
